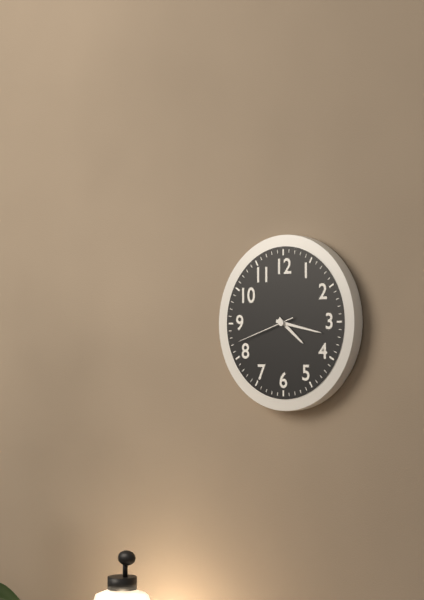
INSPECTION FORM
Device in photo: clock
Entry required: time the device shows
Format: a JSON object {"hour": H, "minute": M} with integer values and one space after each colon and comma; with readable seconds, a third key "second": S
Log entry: {"hour": 4, "minute": 17, "second": 42}
